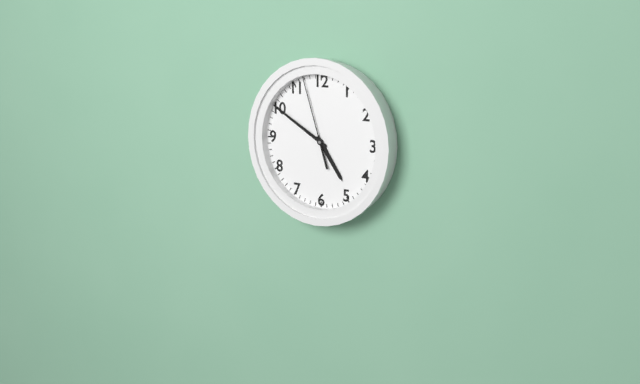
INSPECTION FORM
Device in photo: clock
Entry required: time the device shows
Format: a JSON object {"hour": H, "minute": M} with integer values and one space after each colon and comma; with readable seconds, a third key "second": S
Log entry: {"hour": 4, "minute": 50, "second": 57}
